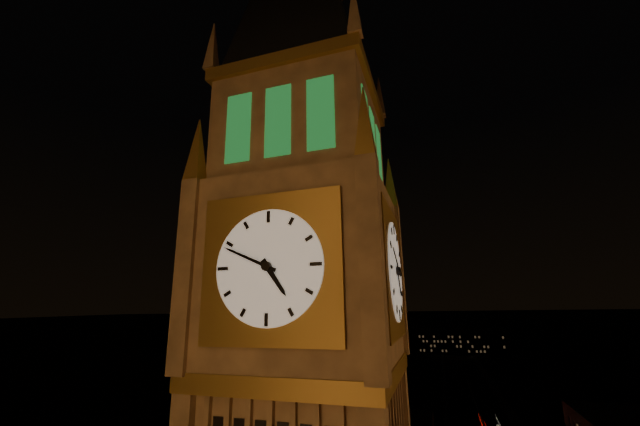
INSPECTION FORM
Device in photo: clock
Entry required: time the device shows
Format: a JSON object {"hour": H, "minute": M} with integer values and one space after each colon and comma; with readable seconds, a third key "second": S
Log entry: {"hour": 4, "minute": 49}
